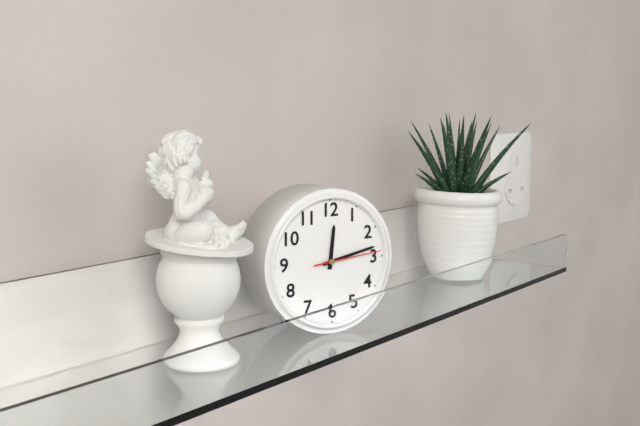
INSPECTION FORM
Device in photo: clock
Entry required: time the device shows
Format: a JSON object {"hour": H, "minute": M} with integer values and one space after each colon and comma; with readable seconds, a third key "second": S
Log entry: {"hour": 12, "minute": 13, "second": 14}
